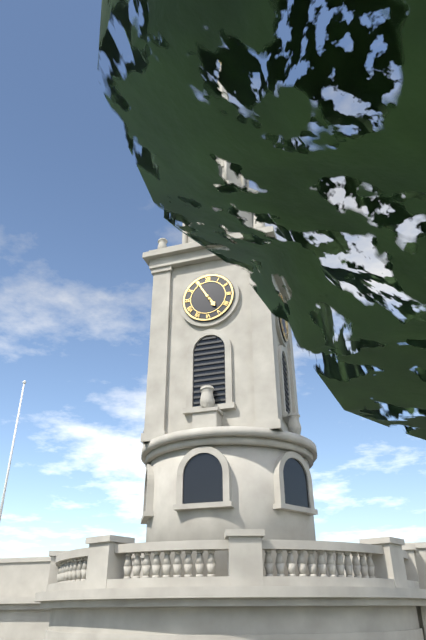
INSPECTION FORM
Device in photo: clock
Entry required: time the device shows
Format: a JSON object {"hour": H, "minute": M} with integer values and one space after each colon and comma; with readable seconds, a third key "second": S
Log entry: {"hour": 4, "minute": 55}
